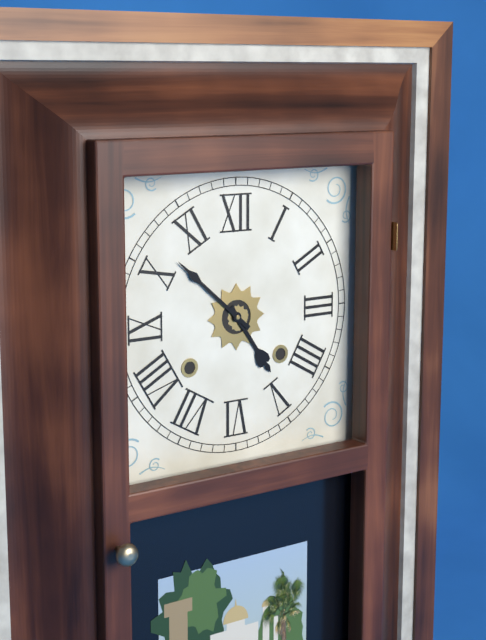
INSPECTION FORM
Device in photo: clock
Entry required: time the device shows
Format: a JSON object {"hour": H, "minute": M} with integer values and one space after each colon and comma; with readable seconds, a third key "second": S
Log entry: {"hour": 4, "minute": 52}
